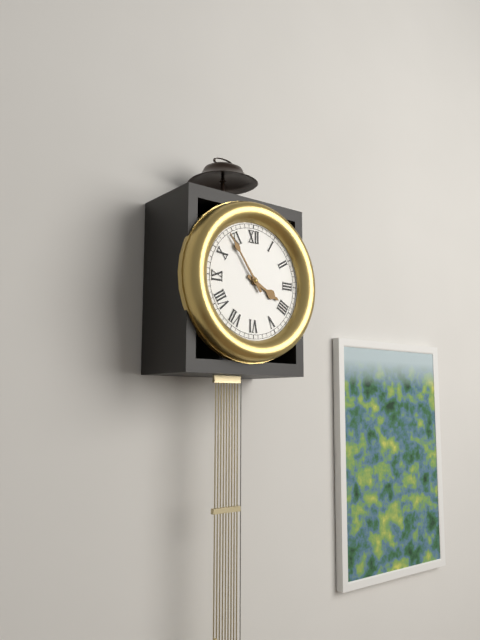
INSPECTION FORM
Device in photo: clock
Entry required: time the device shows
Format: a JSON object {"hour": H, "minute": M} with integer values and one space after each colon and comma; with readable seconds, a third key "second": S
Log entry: {"hour": 3, "minute": 54}
